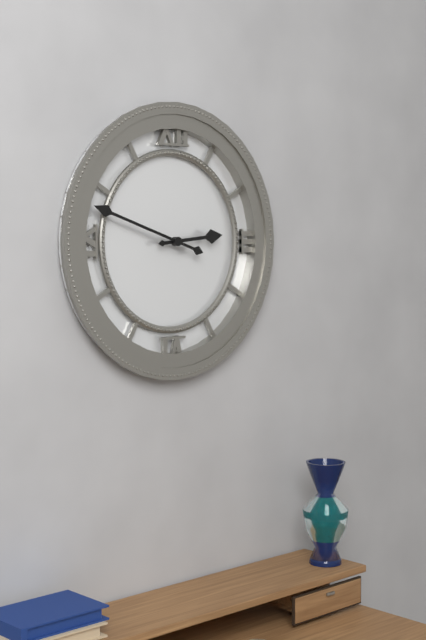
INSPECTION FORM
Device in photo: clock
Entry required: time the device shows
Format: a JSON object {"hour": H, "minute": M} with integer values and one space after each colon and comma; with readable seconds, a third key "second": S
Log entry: {"hour": 2, "minute": 48}
